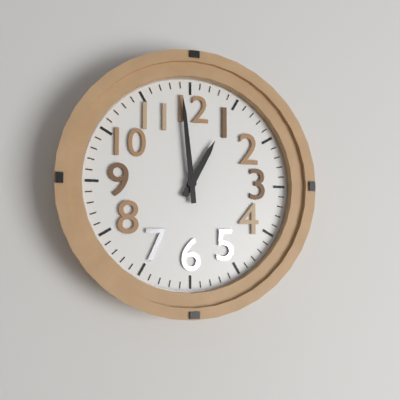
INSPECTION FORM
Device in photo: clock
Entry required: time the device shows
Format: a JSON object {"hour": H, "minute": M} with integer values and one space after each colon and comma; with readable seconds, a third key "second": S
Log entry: {"hour": 12, "minute": 59}
